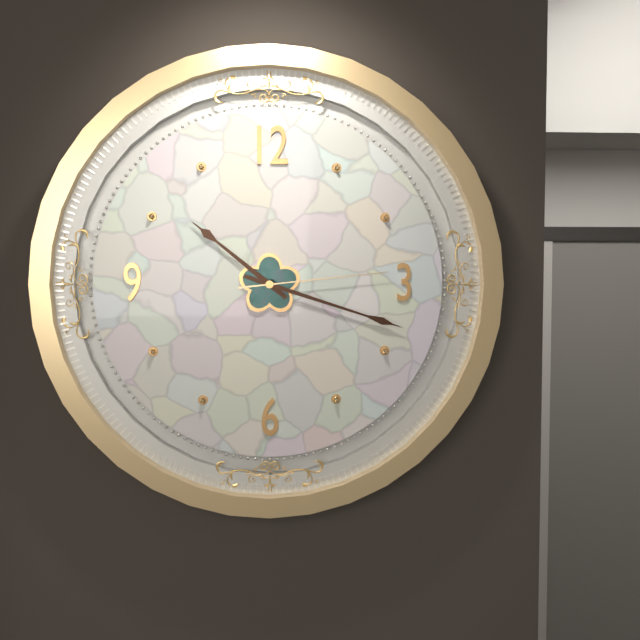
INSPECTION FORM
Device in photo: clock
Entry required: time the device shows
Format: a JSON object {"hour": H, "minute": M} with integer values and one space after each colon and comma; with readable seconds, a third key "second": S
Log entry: {"hour": 10, "minute": 18, "second": 14}
